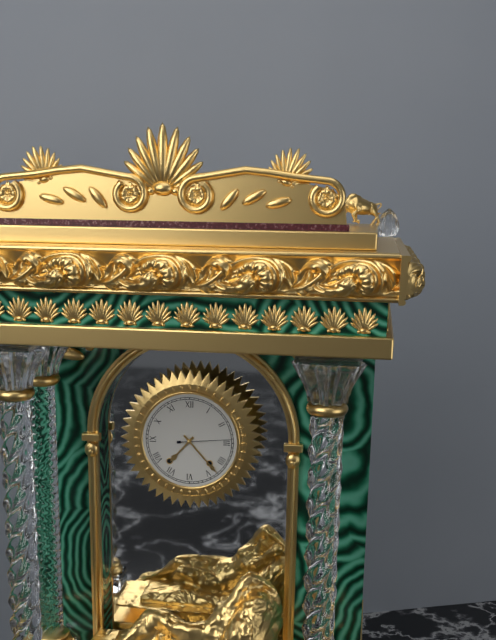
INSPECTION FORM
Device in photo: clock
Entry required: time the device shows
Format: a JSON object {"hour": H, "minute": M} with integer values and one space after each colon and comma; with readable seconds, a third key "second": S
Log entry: {"hour": 7, "minute": 23, "second": 14}
